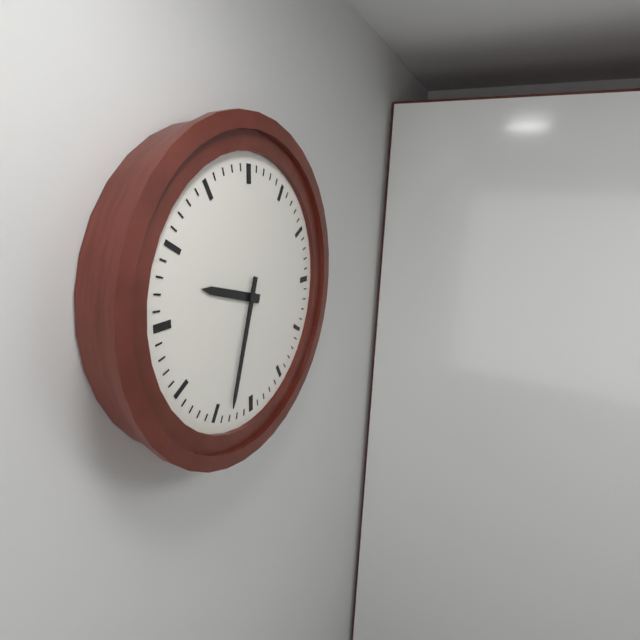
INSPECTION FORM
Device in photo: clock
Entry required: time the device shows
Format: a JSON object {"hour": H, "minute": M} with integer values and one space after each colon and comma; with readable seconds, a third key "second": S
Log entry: {"hour": 9, "minute": 33}
